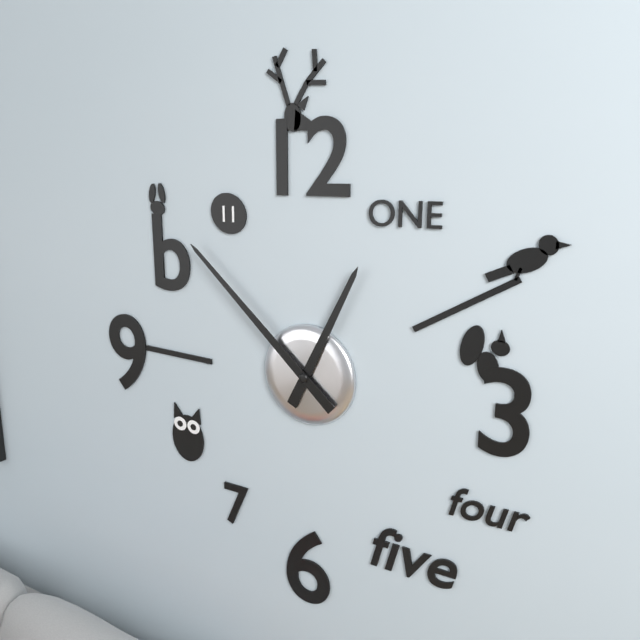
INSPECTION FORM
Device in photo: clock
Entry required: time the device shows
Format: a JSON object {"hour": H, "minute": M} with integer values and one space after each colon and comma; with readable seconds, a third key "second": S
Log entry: {"hour": 12, "minute": 52}
